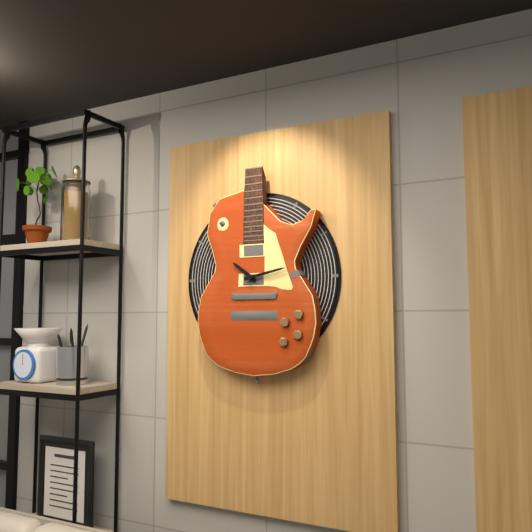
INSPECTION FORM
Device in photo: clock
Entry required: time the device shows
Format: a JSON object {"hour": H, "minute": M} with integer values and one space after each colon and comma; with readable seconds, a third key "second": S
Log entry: {"hour": 10, "minute": 13}
